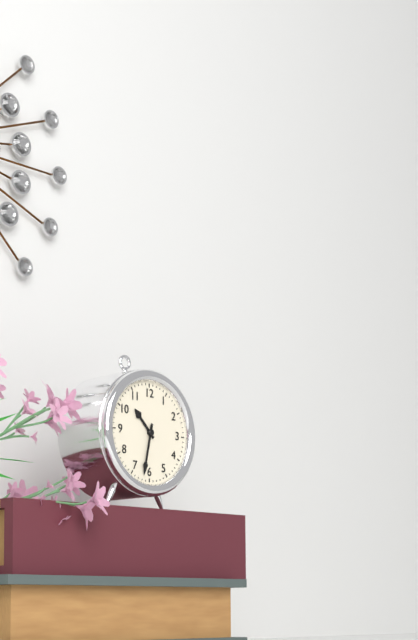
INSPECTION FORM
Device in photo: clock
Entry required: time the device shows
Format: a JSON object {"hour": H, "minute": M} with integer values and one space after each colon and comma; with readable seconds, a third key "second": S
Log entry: {"hour": 10, "minute": 32}
